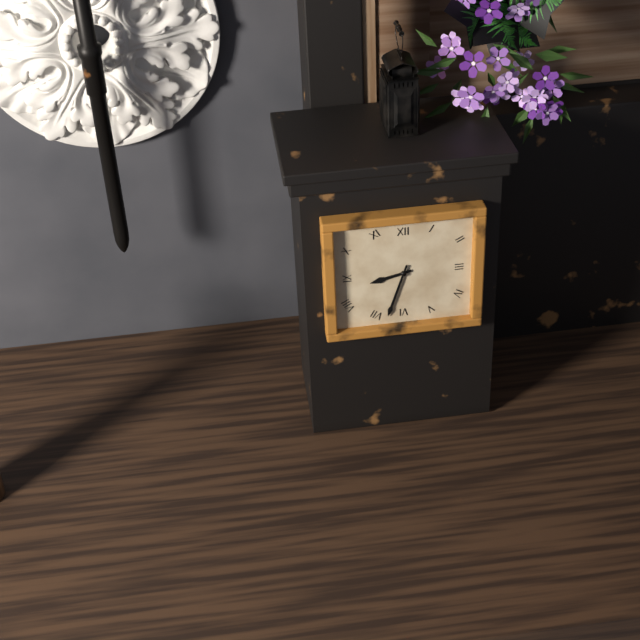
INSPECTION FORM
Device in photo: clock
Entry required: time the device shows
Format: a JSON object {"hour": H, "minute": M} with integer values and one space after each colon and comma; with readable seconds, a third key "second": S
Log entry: {"hour": 8, "minute": 33}
